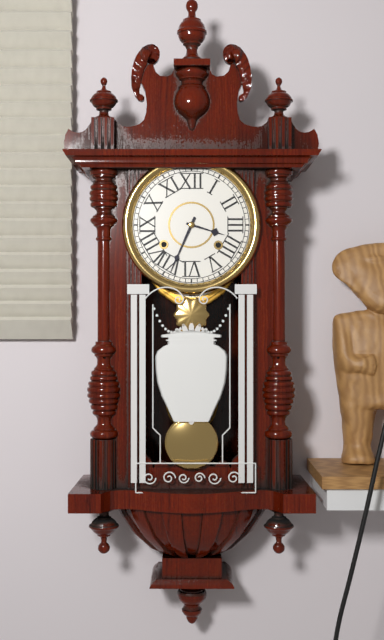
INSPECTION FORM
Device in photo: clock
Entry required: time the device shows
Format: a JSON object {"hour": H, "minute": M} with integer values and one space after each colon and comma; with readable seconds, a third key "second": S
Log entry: {"hour": 3, "minute": 34}
